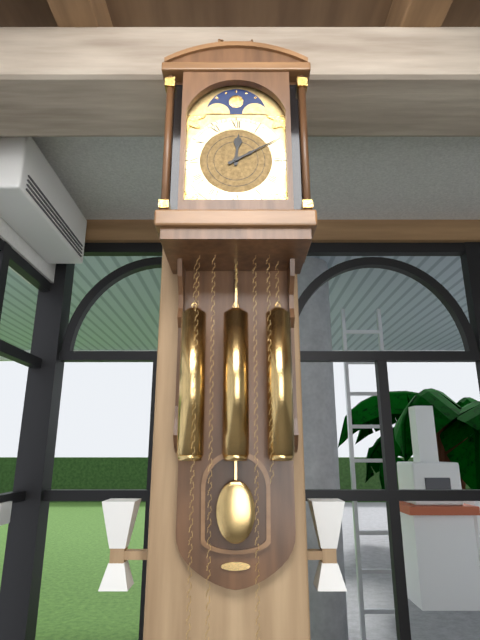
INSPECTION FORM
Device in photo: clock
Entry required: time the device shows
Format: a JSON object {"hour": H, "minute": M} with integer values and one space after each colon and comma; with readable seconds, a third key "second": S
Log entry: {"hour": 12, "minute": 10}
